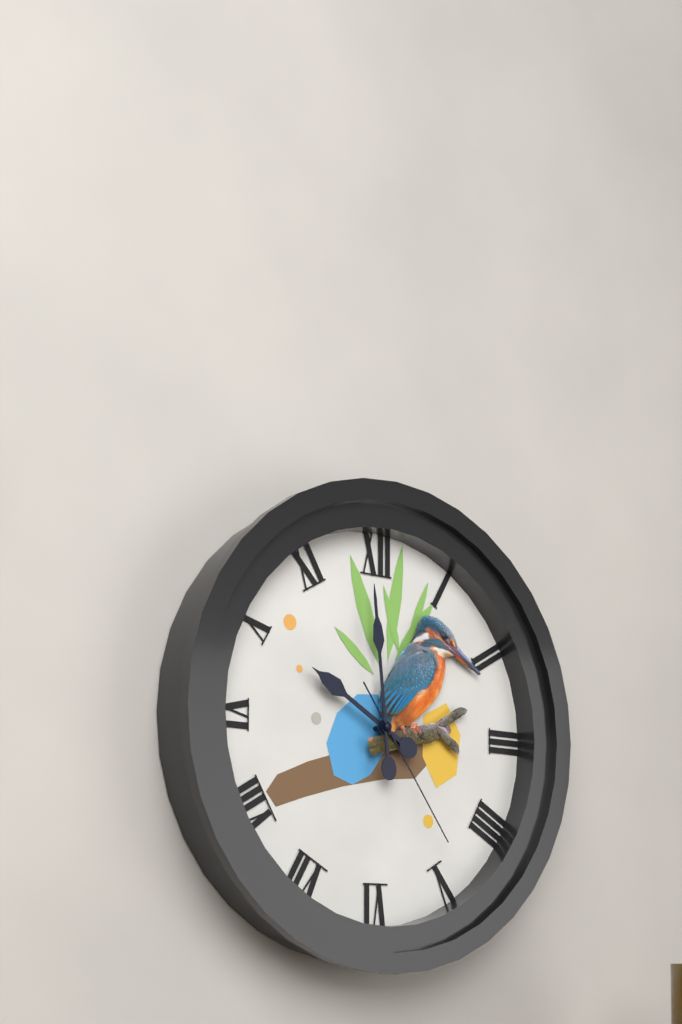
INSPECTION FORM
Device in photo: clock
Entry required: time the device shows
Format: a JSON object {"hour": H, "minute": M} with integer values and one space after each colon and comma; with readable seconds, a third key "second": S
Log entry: {"hour": 9, "minute": 59, "second": 24}
